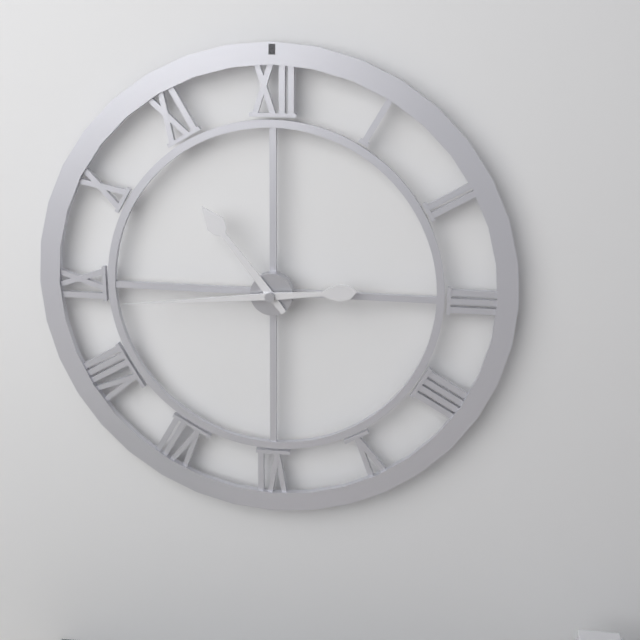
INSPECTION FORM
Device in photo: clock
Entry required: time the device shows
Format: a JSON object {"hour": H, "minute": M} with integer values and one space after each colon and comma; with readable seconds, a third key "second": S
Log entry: {"hour": 10, "minute": 44}
